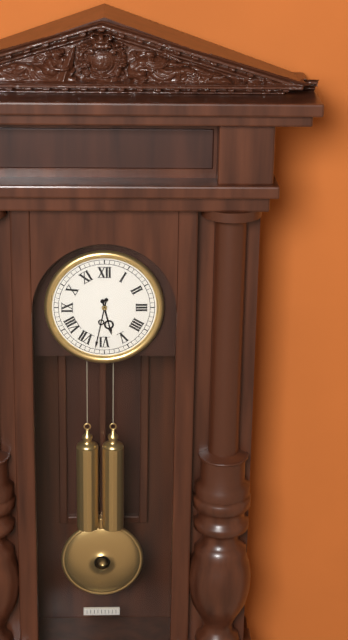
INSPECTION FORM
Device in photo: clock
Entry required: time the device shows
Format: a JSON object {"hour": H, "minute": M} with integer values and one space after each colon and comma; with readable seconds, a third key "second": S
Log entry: {"hour": 5, "minute": 32}
